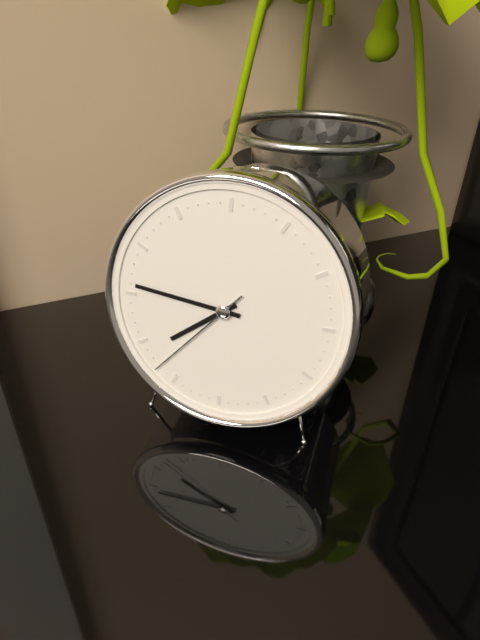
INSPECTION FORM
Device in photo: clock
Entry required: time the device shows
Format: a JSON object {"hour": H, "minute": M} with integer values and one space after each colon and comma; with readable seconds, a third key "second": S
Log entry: {"hour": 7, "minute": 46, "second": 37}
